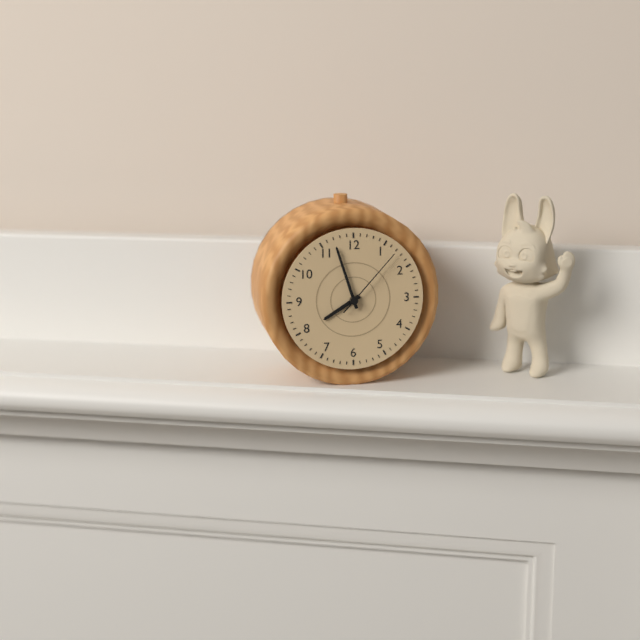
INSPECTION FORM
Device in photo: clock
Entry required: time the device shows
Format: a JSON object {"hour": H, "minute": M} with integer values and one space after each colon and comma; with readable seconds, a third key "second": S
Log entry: {"hour": 7, "minute": 57, "second": 7}
